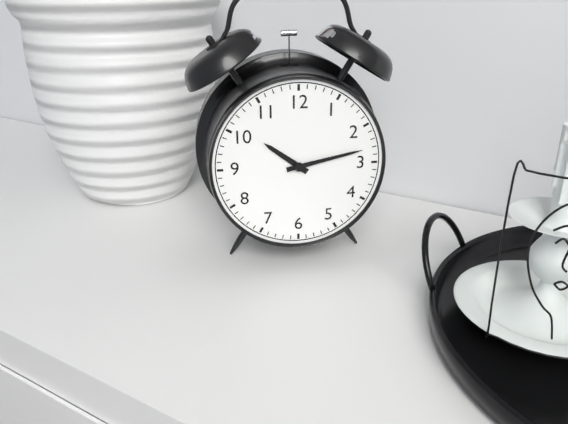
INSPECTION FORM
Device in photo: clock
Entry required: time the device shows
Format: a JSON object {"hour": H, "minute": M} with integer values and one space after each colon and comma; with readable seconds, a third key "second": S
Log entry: {"hour": 10, "minute": 13}
